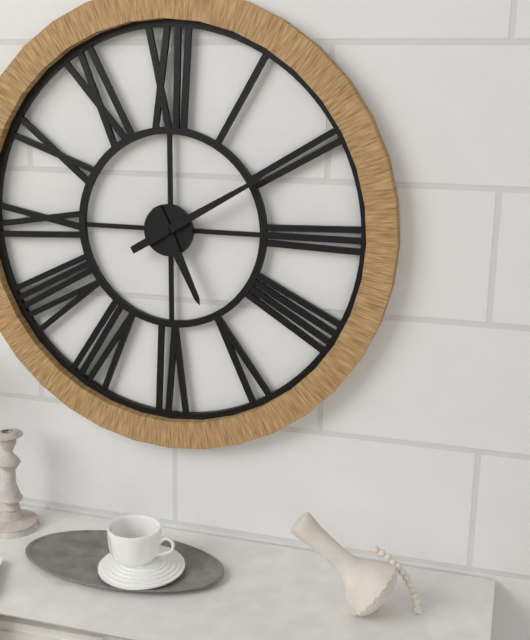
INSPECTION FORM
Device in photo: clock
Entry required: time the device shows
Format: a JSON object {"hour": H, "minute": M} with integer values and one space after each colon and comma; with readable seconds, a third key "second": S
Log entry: {"hour": 5, "minute": 10}
